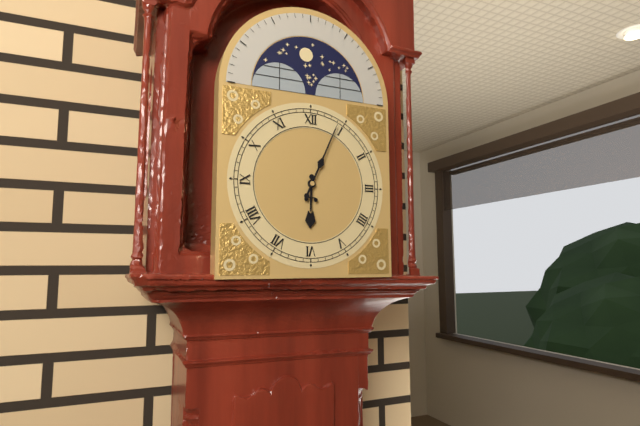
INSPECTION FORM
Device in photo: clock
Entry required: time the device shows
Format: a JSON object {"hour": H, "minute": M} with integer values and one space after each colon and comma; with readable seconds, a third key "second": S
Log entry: {"hour": 6, "minute": 4}
